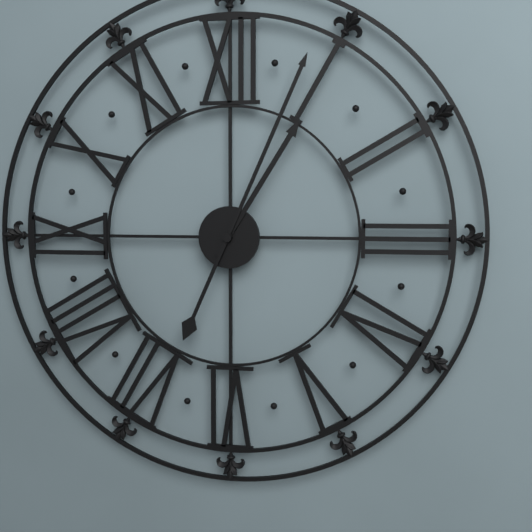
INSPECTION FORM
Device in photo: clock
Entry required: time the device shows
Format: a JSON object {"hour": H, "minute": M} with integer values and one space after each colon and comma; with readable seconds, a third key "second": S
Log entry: {"hour": 1, "minute": 4}
